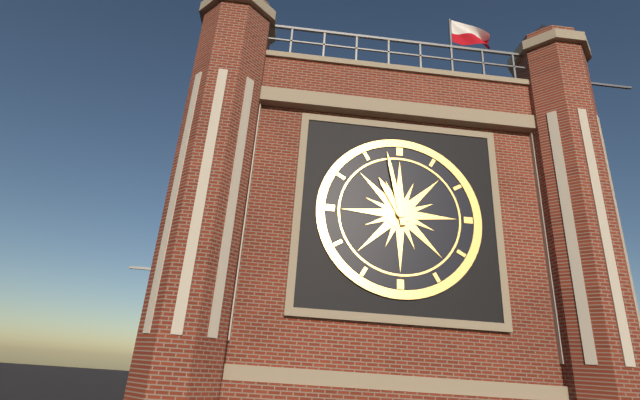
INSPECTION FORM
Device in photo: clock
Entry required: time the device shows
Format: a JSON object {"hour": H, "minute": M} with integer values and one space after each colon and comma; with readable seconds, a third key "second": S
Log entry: {"hour": 10, "minute": 58}
